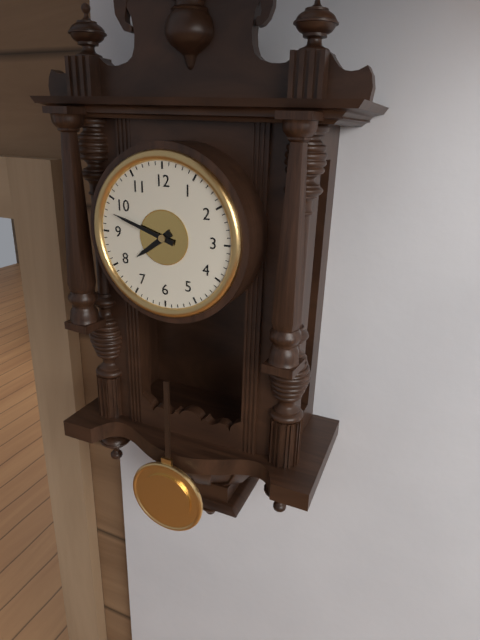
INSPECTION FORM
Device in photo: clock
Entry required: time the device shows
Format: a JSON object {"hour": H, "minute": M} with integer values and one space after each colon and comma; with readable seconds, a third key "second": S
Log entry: {"hour": 7, "minute": 48}
